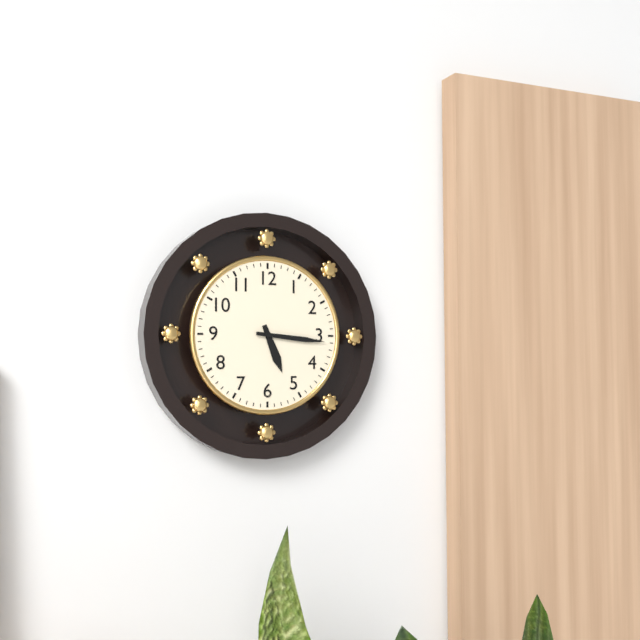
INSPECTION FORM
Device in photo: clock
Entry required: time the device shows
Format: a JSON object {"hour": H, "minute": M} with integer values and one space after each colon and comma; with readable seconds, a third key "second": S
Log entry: {"hour": 5, "minute": 16}
